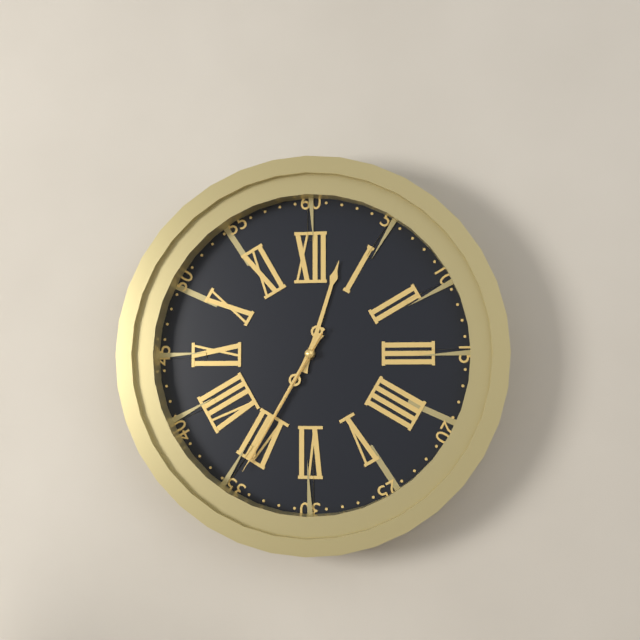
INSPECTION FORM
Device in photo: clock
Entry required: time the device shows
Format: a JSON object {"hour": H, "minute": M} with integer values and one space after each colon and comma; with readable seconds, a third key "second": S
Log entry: {"hour": 12, "minute": 35, "second": 35}
